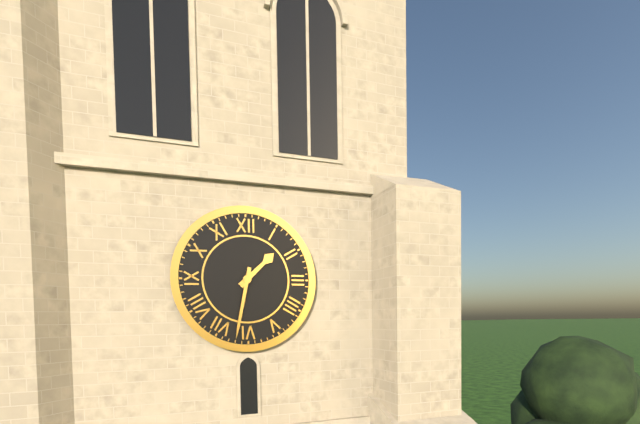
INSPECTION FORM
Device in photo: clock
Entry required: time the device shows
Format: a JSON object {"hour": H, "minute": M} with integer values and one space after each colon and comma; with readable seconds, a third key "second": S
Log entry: {"hour": 1, "minute": 32}
